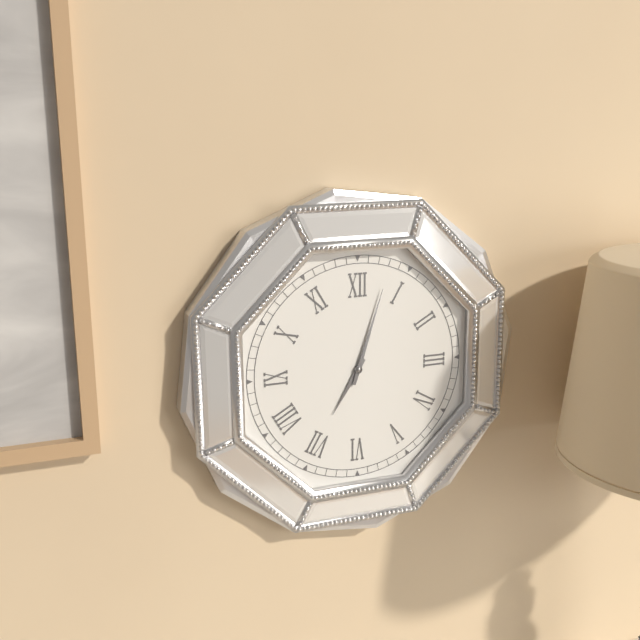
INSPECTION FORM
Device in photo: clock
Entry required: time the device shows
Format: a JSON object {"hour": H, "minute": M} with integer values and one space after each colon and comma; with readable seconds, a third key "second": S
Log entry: {"hour": 7, "minute": 3}
